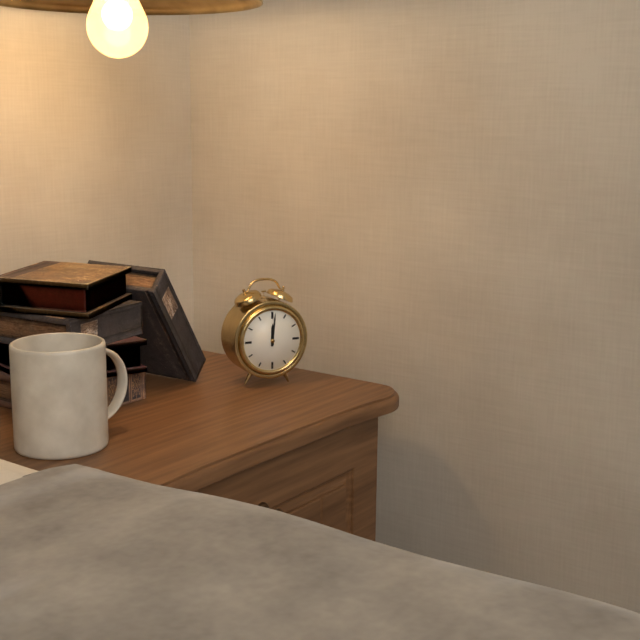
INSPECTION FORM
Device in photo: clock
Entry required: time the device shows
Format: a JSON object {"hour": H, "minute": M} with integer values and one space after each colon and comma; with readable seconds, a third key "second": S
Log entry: {"hour": 12, "minute": 1}
